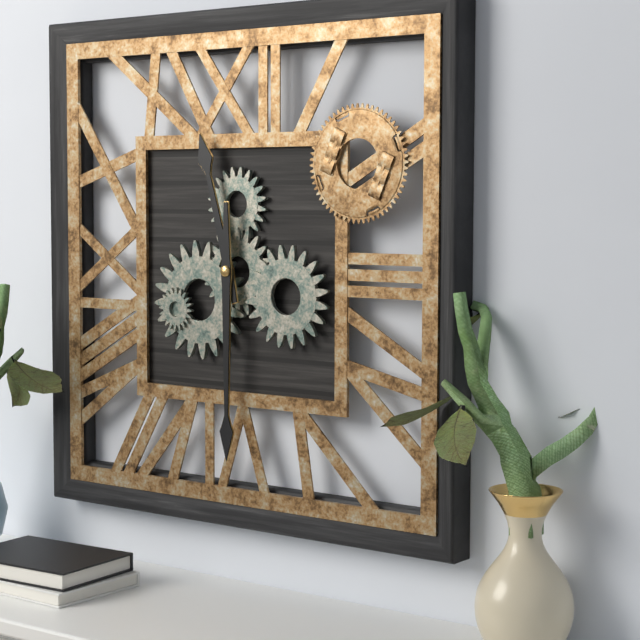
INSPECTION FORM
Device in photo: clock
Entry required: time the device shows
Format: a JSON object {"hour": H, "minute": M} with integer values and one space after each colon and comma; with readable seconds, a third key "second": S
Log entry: {"hour": 11, "minute": 30}
